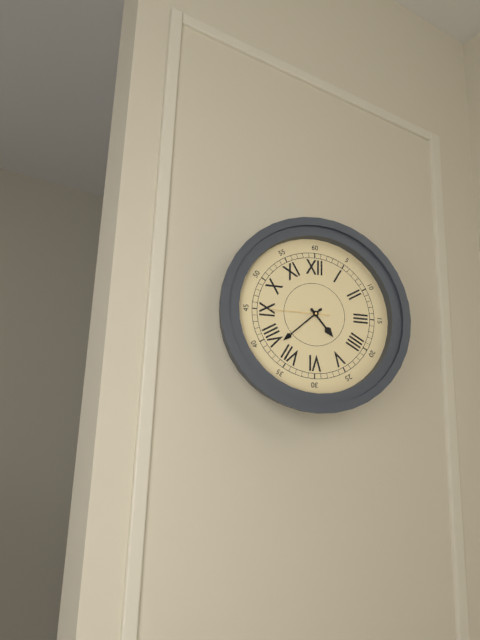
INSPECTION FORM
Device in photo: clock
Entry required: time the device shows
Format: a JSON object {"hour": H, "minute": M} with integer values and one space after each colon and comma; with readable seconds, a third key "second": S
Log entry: {"hour": 4, "minute": 38, "second": 45}
